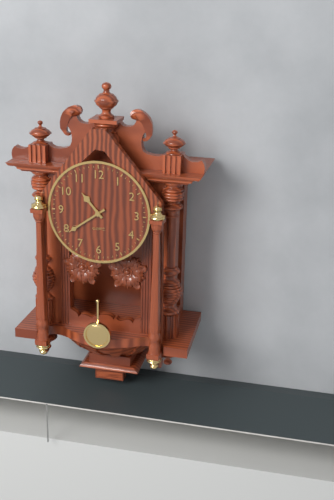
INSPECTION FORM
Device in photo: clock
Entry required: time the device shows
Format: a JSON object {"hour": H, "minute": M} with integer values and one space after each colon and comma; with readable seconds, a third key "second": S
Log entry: {"hour": 10, "minute": 39}
